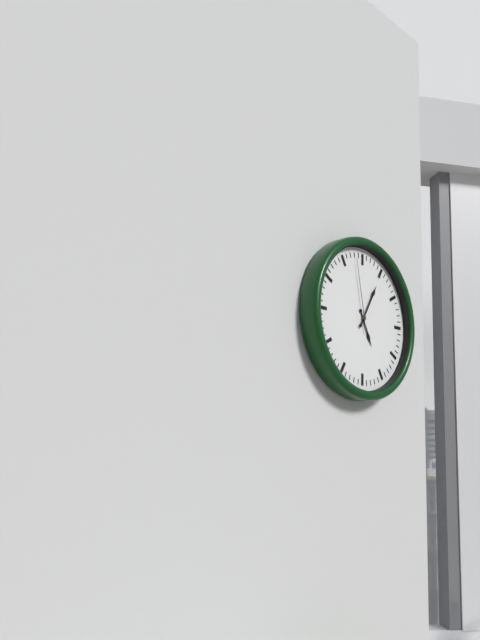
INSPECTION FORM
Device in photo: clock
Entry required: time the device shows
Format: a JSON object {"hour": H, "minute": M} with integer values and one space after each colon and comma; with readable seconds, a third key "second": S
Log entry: {"hour": 5, "minute": 5, "second": 58}
